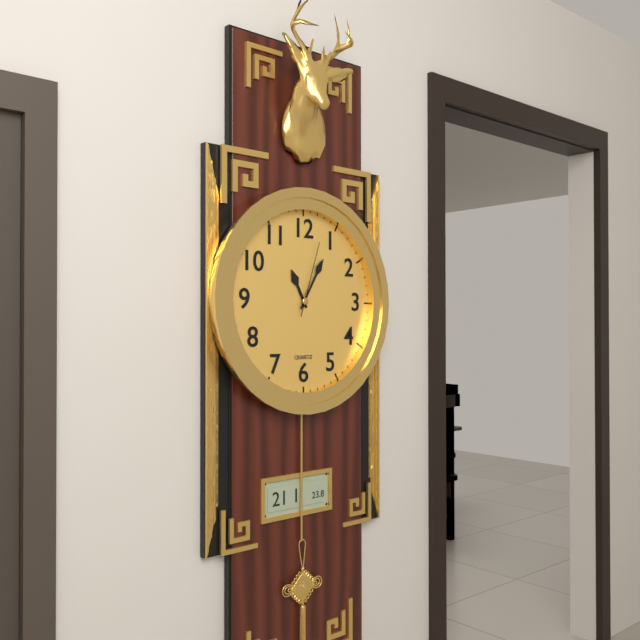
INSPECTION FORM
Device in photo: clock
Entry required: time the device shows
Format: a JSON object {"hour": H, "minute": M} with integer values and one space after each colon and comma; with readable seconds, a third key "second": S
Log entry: {"hour": 11, "minute": 5, "second": 3}
